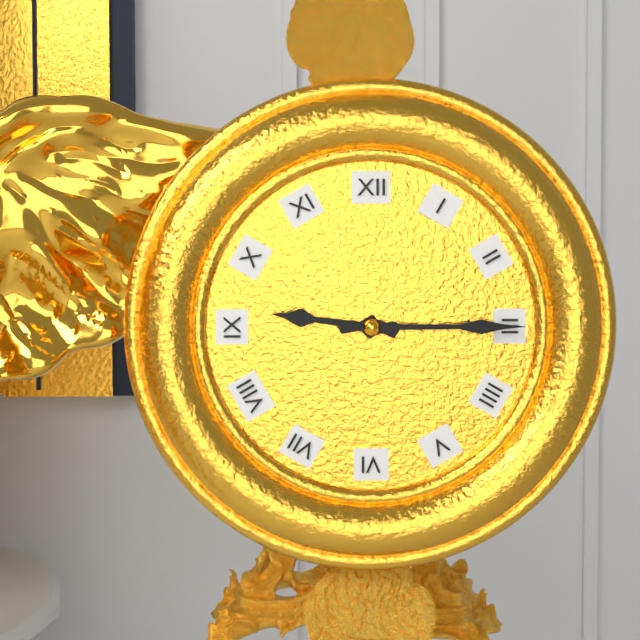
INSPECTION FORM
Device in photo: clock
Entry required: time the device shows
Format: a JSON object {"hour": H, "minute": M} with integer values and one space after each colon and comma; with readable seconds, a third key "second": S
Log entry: {"hour": 9, "minute": 15}
